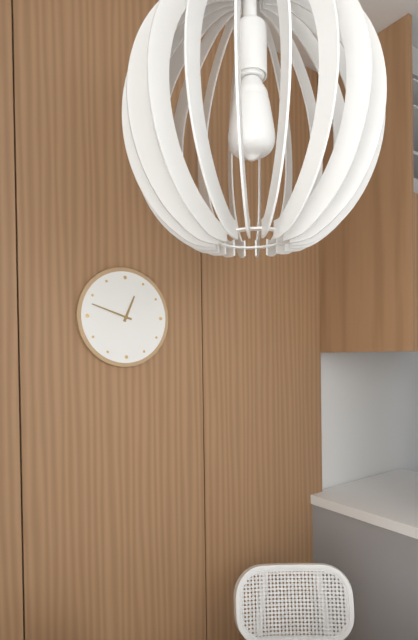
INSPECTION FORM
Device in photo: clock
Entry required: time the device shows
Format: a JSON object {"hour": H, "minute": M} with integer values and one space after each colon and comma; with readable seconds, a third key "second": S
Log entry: {"hour": 12, "minute": 48}
